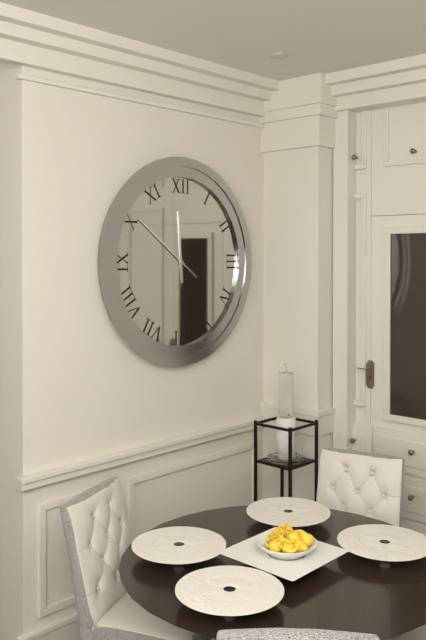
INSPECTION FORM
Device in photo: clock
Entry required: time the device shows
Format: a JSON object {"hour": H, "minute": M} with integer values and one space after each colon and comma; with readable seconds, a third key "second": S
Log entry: {"hour": 11, "minute": 51}
